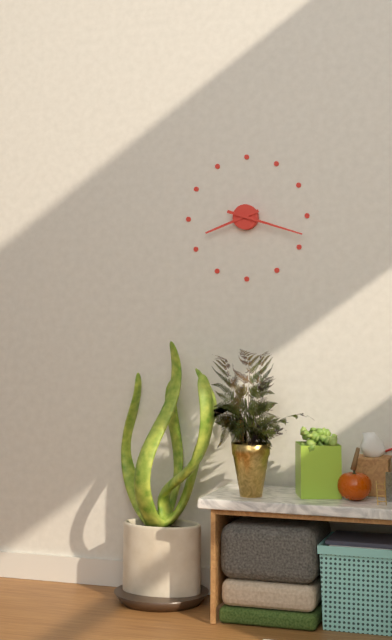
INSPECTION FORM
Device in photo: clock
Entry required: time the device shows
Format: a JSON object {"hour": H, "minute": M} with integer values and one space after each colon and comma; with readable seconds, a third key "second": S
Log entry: {"hour": 8, "minute": 18}
